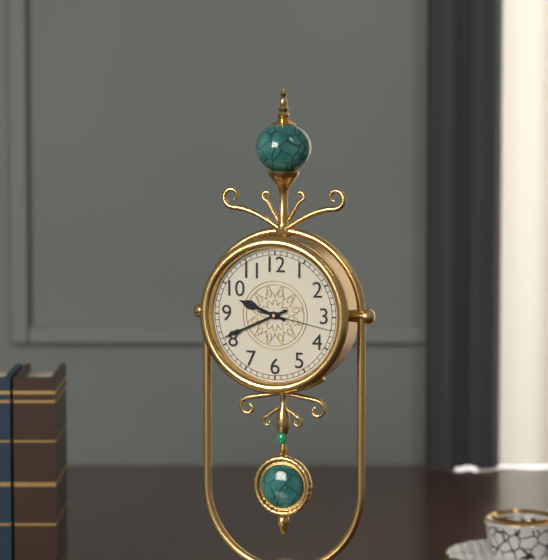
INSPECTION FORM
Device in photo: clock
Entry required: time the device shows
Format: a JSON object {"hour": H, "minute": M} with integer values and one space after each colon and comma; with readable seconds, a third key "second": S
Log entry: {"hour": 9, "minute": 41, "second": 17}
